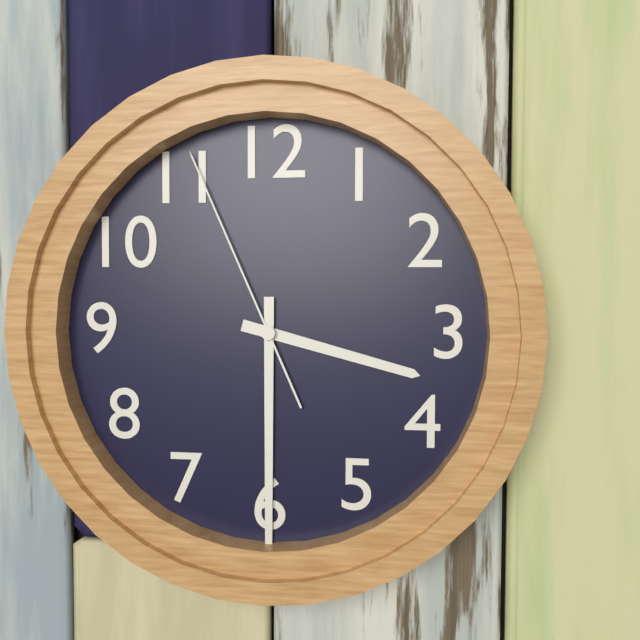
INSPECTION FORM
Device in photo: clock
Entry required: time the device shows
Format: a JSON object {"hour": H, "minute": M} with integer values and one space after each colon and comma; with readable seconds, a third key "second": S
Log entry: {"hour": 3, "minute": 30, "second": 56}
